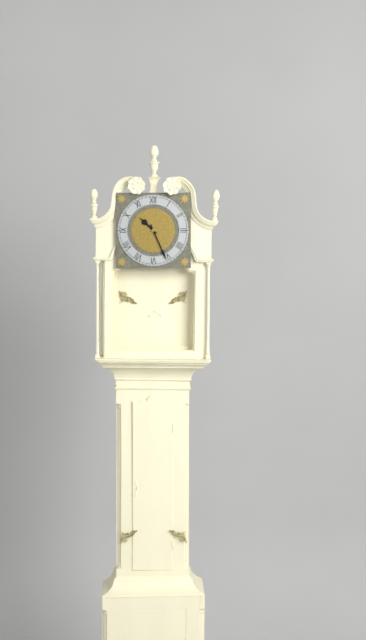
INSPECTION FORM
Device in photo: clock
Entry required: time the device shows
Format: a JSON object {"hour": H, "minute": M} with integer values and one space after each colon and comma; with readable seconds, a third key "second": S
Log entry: {"hour": 10, "minute": 26}
